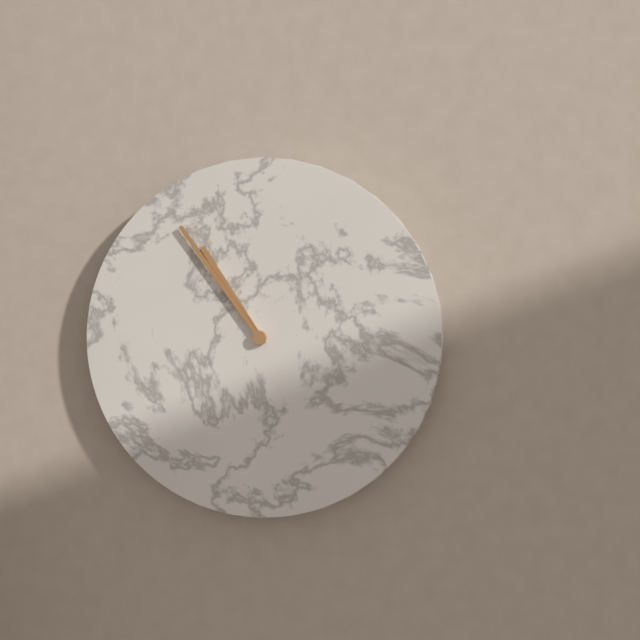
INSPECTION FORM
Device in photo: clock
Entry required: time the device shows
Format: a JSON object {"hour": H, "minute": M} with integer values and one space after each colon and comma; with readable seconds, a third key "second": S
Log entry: {"hour": 10, "minute": 54}
